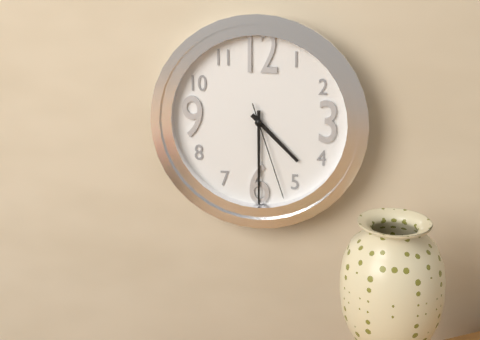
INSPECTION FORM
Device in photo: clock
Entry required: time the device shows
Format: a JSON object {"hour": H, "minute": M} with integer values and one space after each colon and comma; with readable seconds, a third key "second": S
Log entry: {"hour": 4, "minute": 30, "second": 27}
